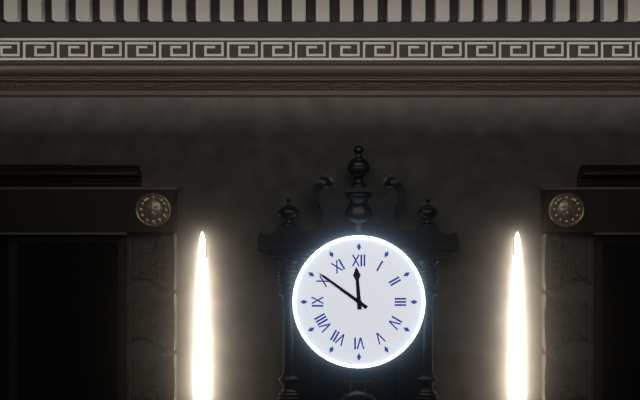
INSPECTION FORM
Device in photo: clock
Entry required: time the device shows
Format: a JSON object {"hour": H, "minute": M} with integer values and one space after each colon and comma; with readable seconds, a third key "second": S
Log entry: {"hour": 11, "minute": 51}
